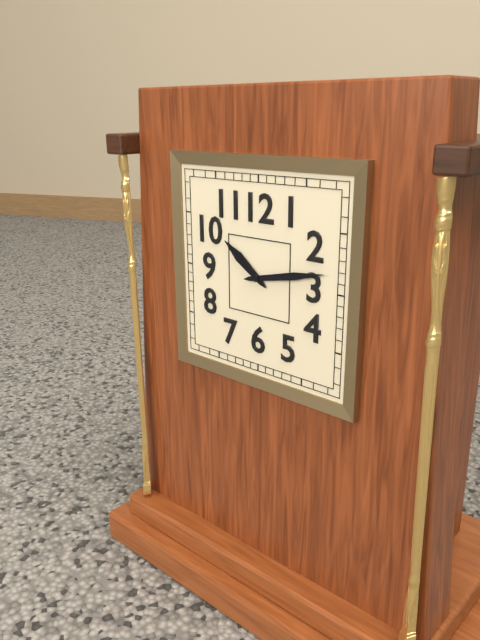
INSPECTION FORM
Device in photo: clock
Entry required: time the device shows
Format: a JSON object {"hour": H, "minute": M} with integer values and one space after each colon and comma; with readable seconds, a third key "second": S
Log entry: {"hour": 10, "minute": 13}
